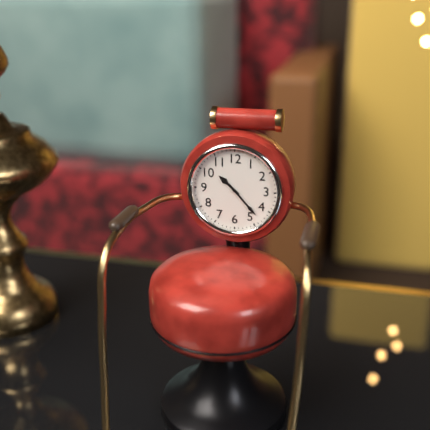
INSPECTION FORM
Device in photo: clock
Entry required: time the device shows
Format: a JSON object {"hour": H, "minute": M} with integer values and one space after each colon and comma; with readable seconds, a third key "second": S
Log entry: {"hour": 10, "minute": 23}
